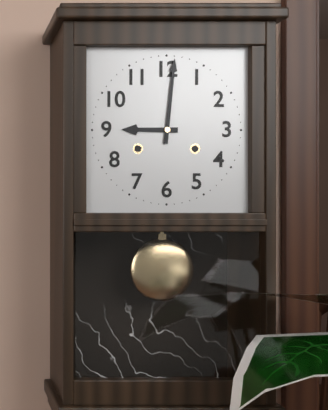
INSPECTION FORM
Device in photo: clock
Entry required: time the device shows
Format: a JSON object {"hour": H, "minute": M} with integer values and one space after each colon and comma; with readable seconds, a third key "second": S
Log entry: {"hour": 9, "minute": 1}
